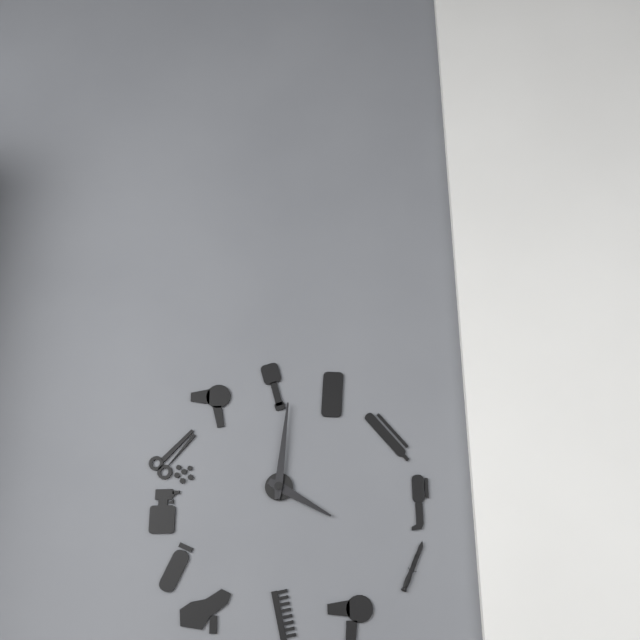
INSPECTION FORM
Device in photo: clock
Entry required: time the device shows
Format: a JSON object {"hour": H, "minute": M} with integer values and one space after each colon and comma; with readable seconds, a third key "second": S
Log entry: {"hour": 4, "minute": 1}
